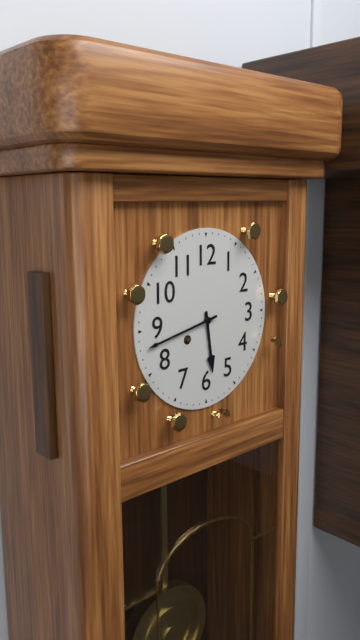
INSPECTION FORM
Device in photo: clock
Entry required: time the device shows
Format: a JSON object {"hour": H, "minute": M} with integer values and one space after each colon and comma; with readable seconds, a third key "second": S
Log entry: {"hour": 5, "minute": 43}
